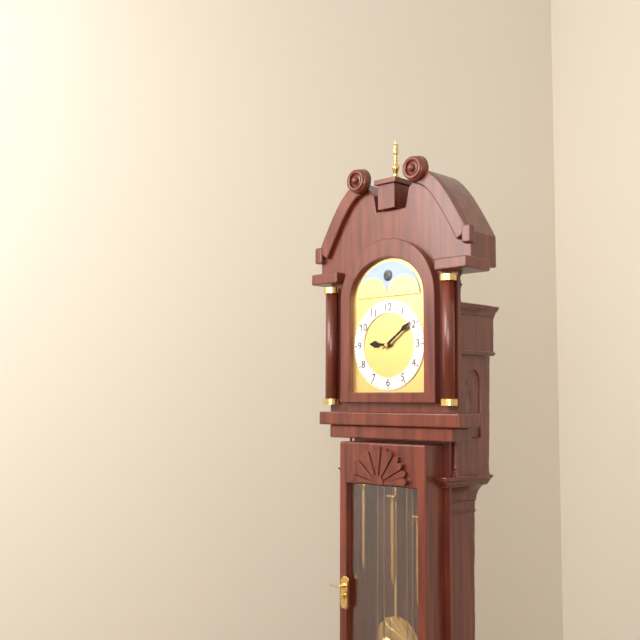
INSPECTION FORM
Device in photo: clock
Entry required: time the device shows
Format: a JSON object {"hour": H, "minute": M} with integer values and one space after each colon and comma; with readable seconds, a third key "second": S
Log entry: {"hour": 9, "minute": 9}
